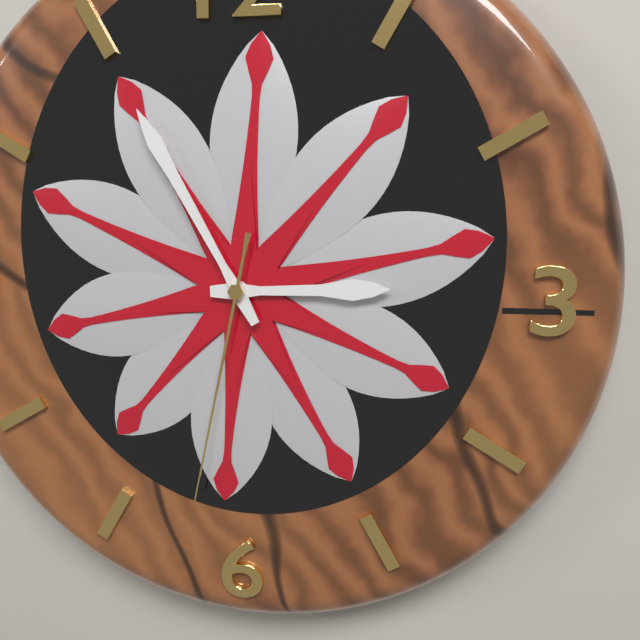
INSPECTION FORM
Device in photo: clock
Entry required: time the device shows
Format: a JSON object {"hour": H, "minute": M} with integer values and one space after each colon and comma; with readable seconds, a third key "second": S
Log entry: {"hour": 2, "minute": 55, "second": 32}
